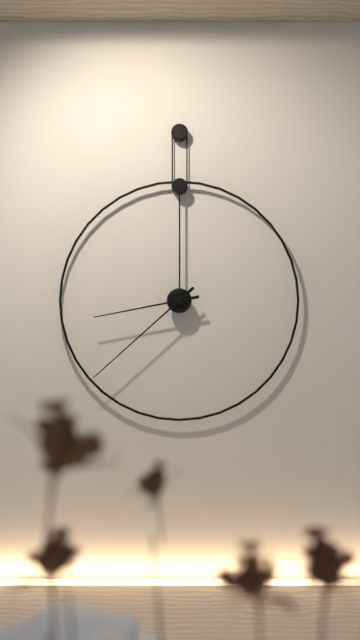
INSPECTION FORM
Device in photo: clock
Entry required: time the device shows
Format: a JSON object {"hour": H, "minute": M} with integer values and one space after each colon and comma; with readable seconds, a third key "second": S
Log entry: {"hour": 8, "minute": 38}
